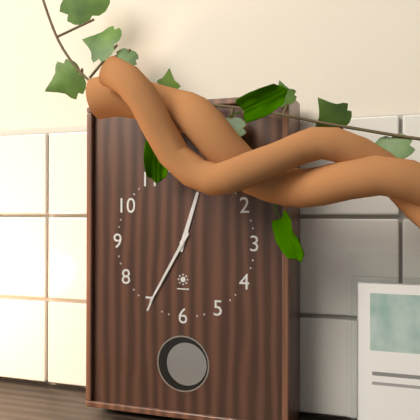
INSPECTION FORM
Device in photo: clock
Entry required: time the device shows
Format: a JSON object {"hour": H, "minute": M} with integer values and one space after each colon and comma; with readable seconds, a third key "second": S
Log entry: {"hour": 12, "minute": 35}
